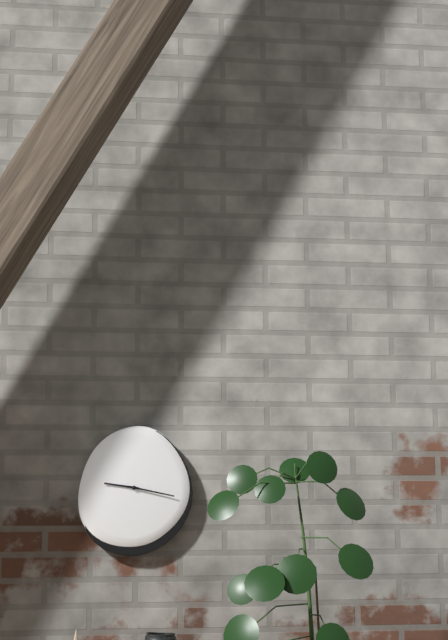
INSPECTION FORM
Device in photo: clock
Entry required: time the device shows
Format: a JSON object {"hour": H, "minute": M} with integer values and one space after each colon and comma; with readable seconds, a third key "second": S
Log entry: {"hour": 9, "minute": 17}
